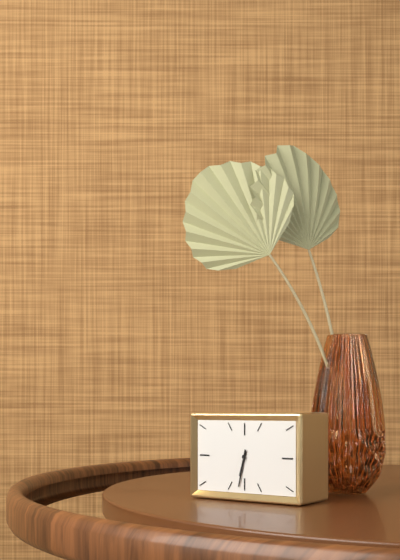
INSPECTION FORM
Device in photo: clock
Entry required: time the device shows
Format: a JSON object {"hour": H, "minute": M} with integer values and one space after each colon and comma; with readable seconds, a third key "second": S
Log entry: {"hour": 6, "minute": 32}
